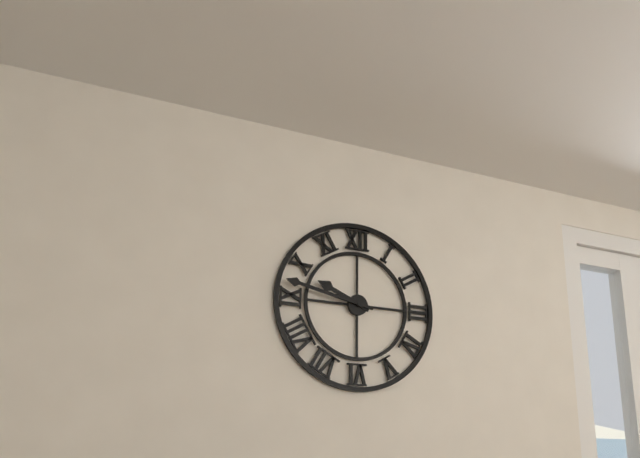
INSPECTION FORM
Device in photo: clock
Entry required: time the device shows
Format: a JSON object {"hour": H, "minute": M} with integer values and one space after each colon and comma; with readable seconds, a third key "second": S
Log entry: {"hour": 9, "minute": 47}
